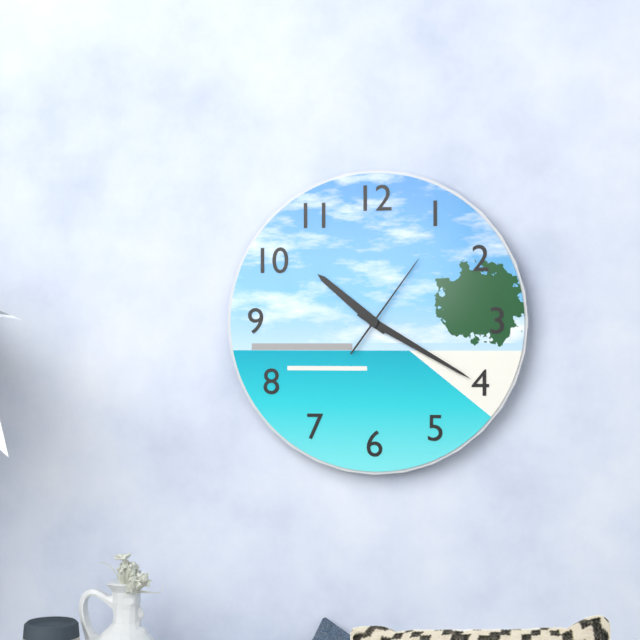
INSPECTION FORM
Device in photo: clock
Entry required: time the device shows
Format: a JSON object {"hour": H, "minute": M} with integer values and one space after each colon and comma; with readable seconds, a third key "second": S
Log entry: {"hour": 10, "minute": 20, "second": 6}
